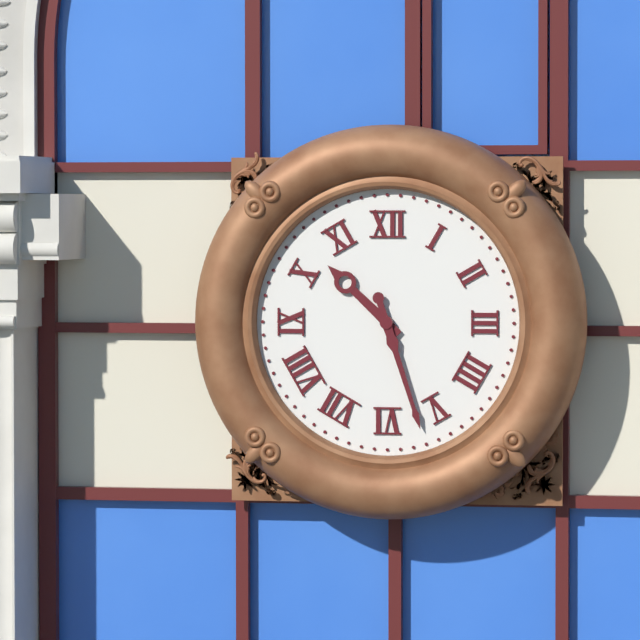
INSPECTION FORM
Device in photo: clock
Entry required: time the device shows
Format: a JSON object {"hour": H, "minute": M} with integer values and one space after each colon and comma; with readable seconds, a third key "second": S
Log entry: {"hour": 10, "minute": 27}
